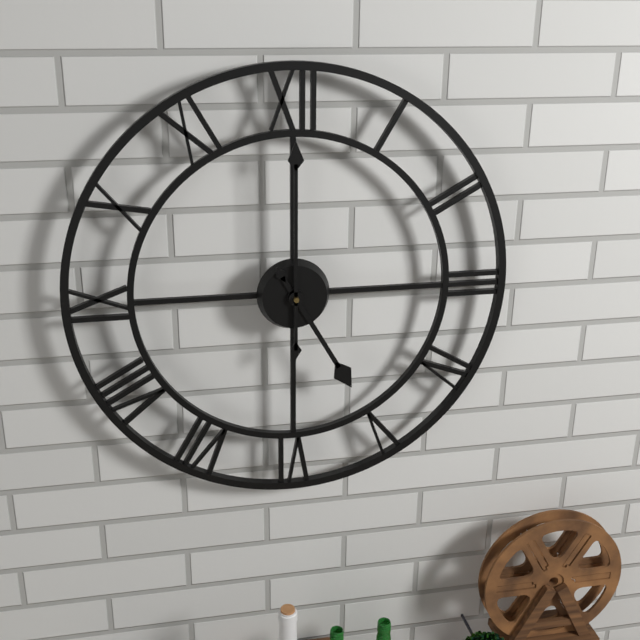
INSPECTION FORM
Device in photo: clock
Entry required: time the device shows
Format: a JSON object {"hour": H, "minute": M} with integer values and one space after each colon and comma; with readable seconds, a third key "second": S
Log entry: {"hour": 5, "minute": 0}
